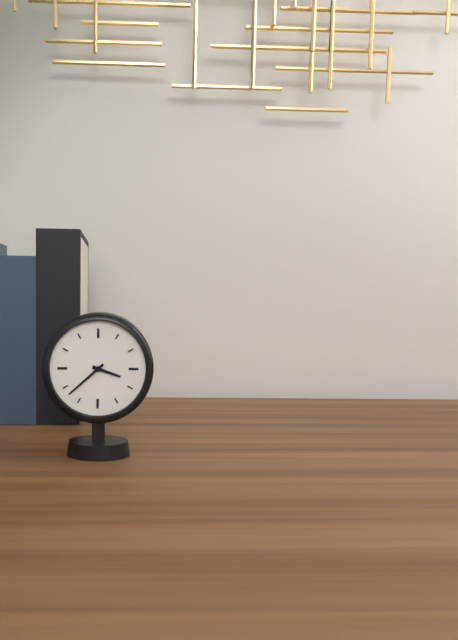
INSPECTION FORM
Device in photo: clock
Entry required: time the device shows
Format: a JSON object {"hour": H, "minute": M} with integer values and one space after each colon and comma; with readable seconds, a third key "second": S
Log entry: {"hour": 3, "minute": 38}
